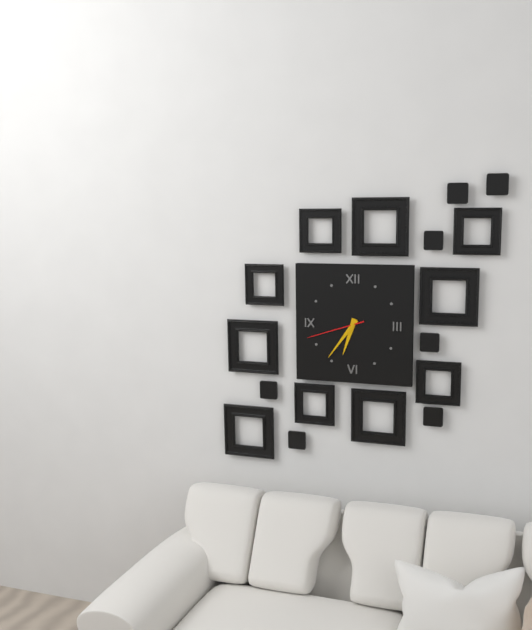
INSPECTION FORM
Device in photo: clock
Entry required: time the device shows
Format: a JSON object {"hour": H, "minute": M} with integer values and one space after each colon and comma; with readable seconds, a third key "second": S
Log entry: {"hour": 6, "minute": 36, "second": 42}
